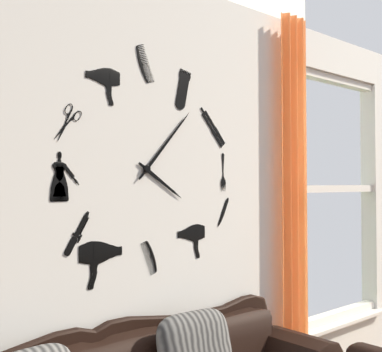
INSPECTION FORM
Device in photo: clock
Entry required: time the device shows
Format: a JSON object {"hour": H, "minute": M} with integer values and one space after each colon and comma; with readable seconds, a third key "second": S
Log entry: {"hour": 4, "minute": 7}
